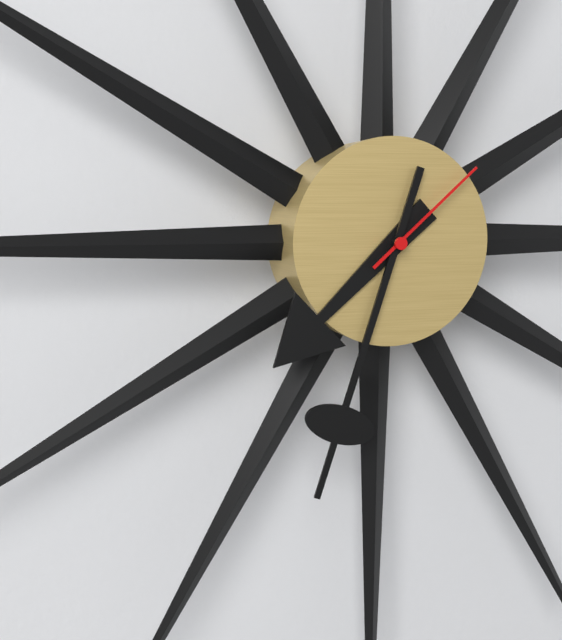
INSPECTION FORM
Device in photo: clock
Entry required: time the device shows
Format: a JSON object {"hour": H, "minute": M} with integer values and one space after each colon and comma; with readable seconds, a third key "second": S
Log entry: {"hour": 7, "minute": 33, "second": 8}
